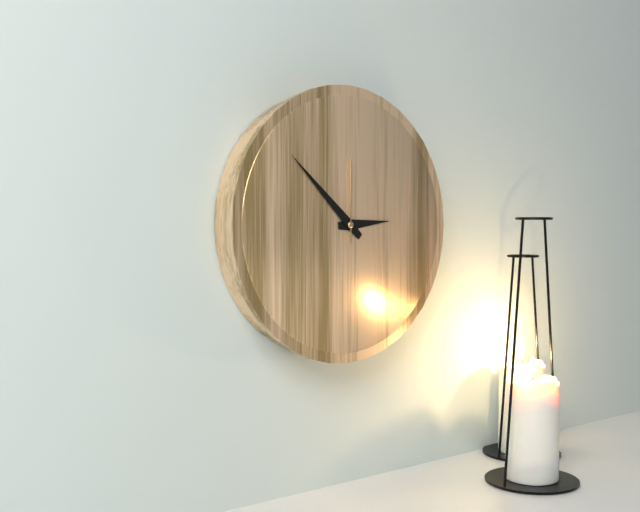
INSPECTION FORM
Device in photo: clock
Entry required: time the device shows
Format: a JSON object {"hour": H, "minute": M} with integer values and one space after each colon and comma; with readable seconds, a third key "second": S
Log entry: {"hour": 2, "minute": 52, "second": 0}
